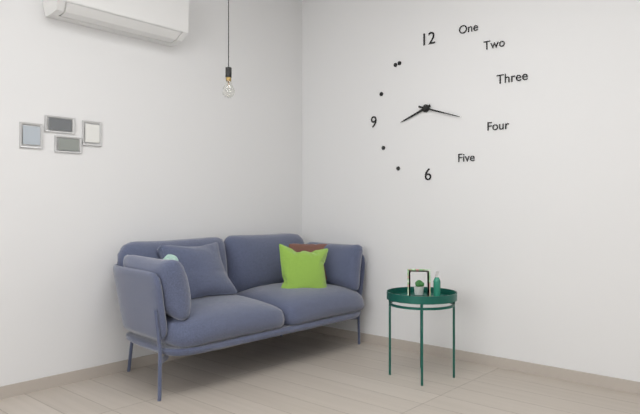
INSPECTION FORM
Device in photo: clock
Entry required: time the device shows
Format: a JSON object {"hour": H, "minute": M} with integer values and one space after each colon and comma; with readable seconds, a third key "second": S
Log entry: {"hour": 8, "minute": 18}
